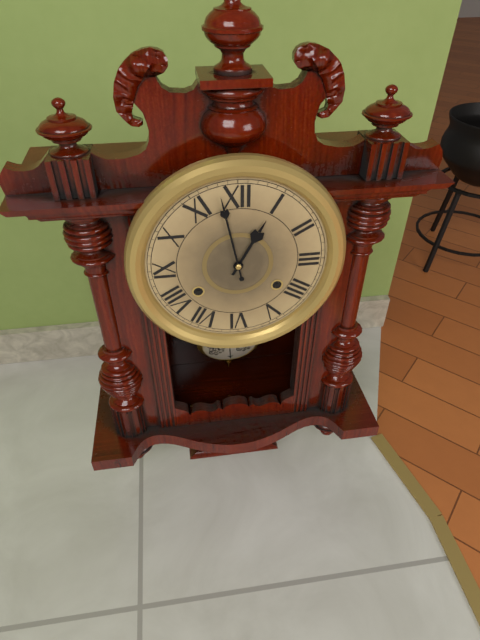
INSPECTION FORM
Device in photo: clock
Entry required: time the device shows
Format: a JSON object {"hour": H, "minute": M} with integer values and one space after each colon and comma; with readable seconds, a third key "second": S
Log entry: {"hour": 12, "minute": 58}
